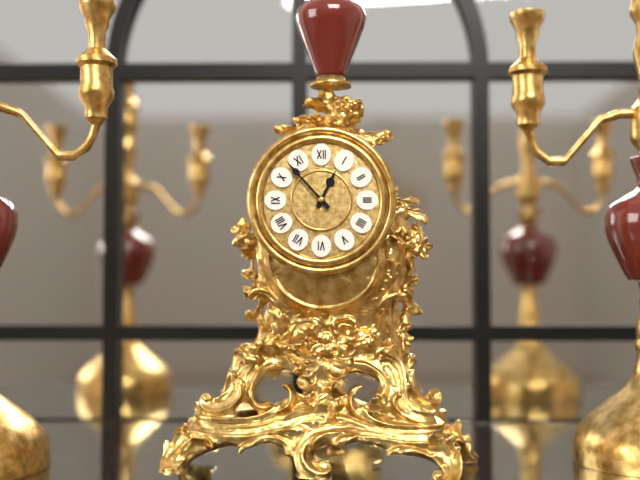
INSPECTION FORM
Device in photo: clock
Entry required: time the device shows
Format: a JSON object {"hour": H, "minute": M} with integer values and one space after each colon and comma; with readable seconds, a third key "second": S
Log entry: {"hour": 12, "minute": 53}
